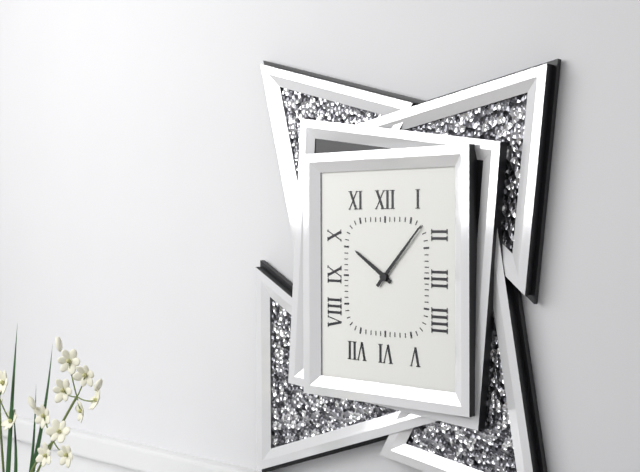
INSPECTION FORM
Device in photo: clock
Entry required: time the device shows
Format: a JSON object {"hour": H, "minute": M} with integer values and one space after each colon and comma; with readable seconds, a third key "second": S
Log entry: {"hour": 10, "minute": 7}
